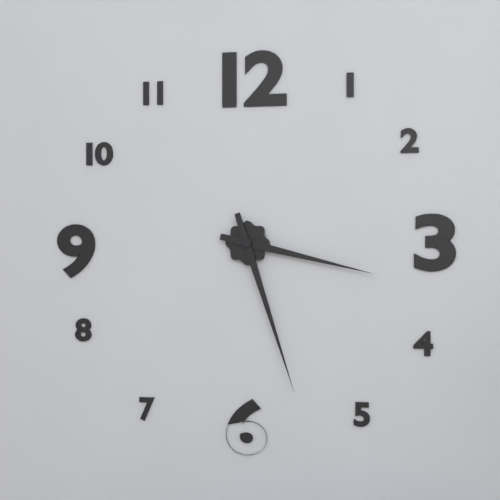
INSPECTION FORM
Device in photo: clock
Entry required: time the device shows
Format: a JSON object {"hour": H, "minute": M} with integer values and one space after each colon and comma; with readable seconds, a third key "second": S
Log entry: {"hour": 3, "minute": 27}
